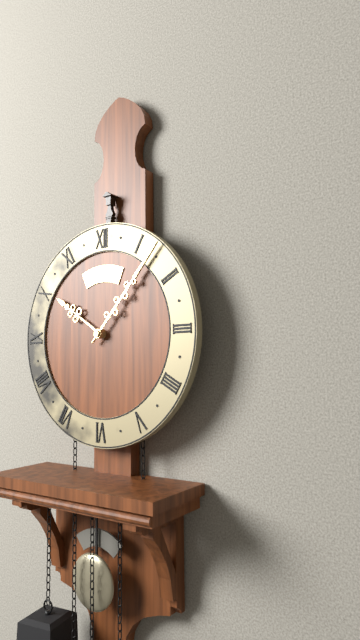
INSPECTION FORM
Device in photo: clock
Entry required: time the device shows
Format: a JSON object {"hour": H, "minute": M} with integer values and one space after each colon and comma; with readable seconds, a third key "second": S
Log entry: {"hour": 10, "minute": 7}
